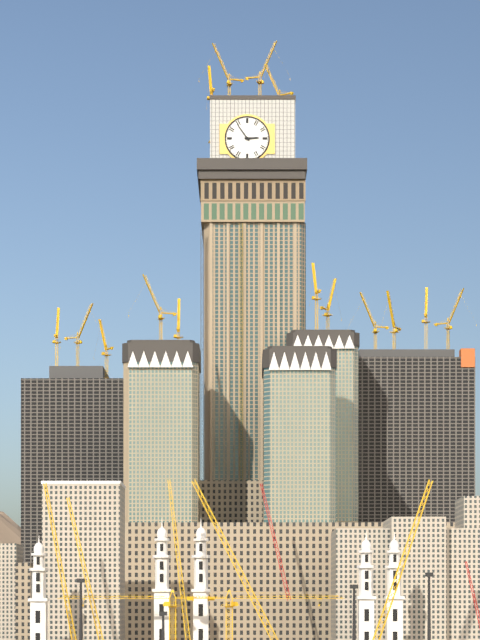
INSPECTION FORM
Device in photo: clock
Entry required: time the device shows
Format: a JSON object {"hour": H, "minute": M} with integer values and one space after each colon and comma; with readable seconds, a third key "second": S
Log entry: {"hour": 2, "minute": 54}
